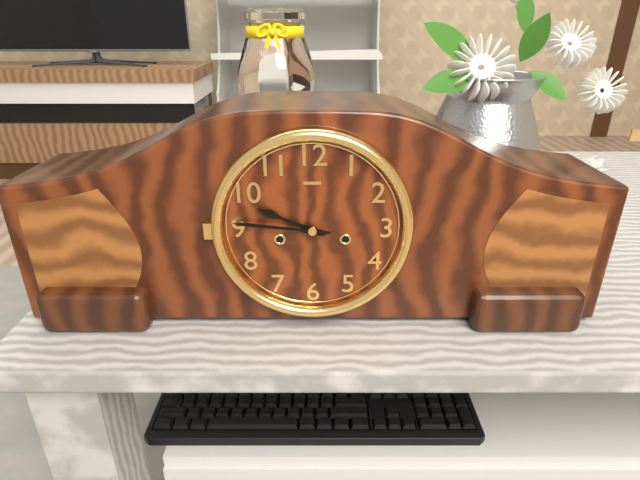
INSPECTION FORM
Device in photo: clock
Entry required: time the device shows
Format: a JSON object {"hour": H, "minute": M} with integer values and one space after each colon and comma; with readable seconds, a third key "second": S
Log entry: {"hour": 9, "minute": 46}
